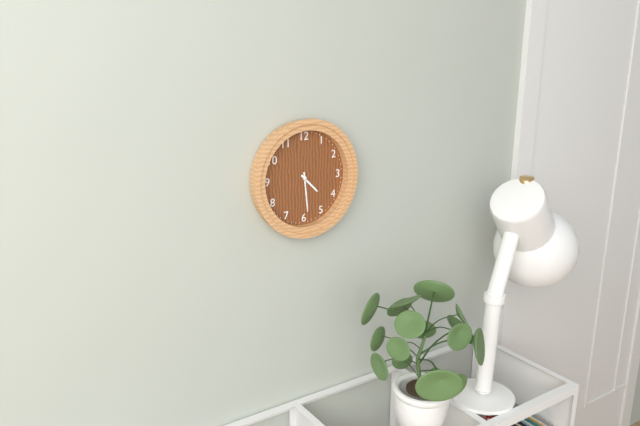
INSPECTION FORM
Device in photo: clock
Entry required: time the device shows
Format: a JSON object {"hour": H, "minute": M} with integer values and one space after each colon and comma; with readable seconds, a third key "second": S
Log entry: {"hour": 4, "minute": 29}
